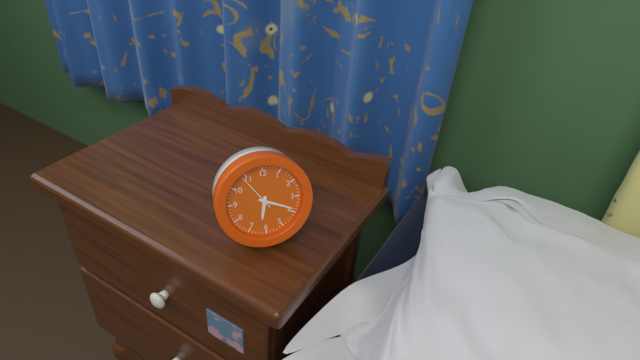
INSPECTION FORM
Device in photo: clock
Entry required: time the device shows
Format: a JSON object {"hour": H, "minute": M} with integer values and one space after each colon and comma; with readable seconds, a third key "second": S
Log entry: {"hour": 6, "minute": 19}
